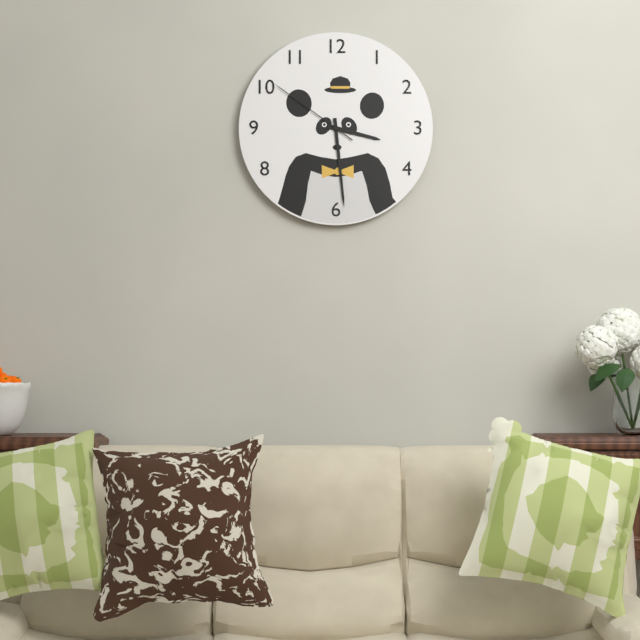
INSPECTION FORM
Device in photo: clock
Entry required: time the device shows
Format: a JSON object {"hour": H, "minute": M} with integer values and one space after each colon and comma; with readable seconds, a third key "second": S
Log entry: {"hour": 3, "minute": 29, "second": 51}
